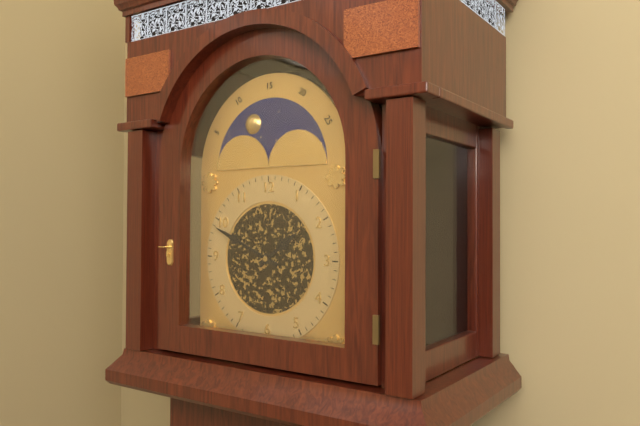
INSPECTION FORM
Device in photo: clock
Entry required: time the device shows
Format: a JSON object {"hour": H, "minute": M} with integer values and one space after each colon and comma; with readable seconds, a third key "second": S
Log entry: {"hour": 1, "minute": 49}
